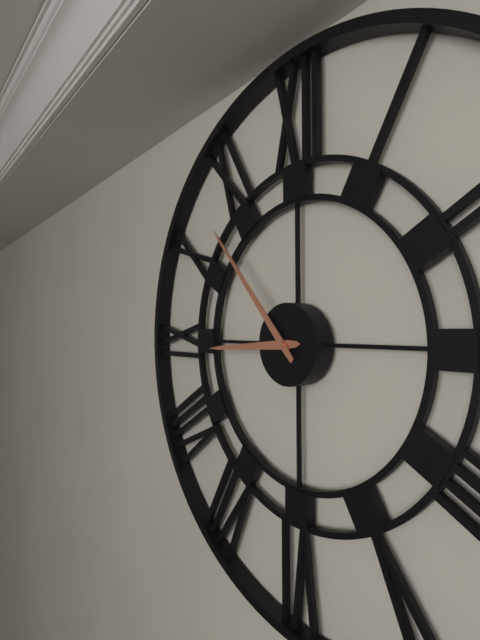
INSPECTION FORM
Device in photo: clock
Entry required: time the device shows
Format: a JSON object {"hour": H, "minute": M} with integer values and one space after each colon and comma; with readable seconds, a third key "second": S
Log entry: {"hour": 8, "minute": 53}
